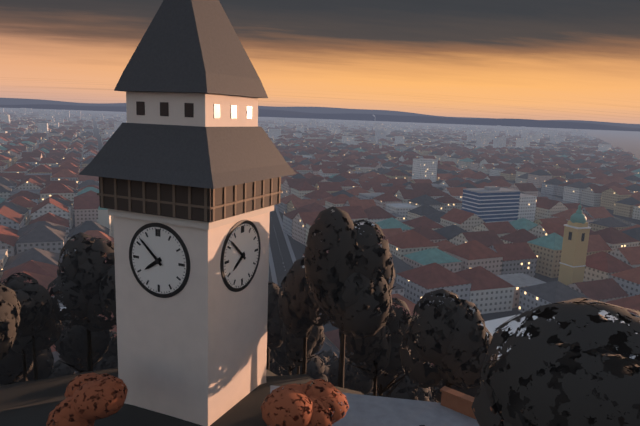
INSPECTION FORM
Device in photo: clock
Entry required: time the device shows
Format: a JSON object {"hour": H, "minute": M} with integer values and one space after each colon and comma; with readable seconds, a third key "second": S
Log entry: {"hour": 7, "minute": 52}
